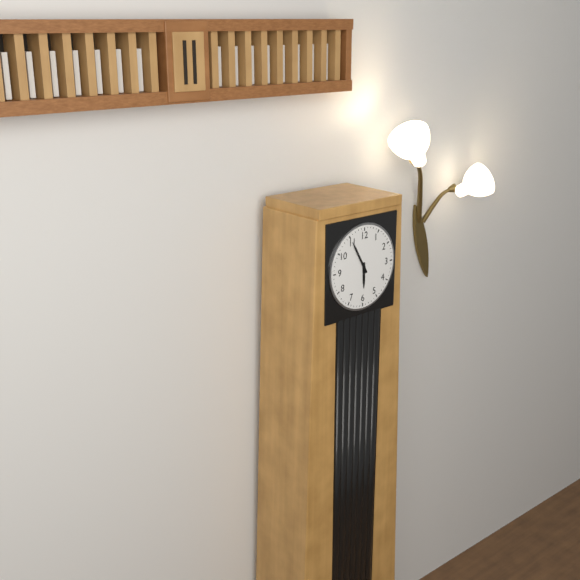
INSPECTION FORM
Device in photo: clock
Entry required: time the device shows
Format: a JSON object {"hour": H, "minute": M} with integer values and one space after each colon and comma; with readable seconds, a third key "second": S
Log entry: {"hour": 5, "minute": 55}
